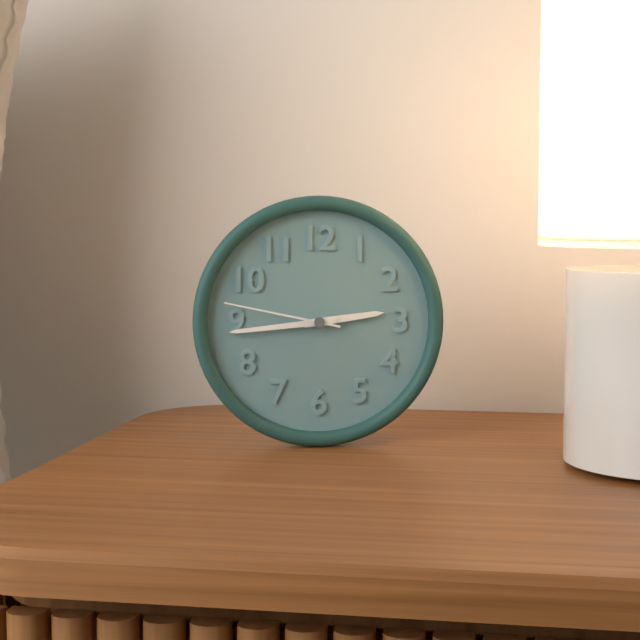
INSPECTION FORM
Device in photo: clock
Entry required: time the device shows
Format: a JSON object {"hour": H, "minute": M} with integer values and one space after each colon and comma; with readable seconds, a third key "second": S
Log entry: {"hour": 2, "minute": 44, "second": 47}
